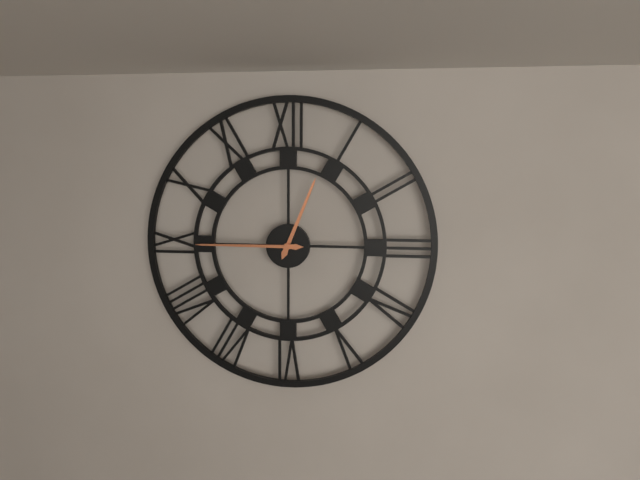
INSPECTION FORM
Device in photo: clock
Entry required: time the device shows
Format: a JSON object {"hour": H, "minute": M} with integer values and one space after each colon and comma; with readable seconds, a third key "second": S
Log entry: {"hour": 12, "minute": 45}
